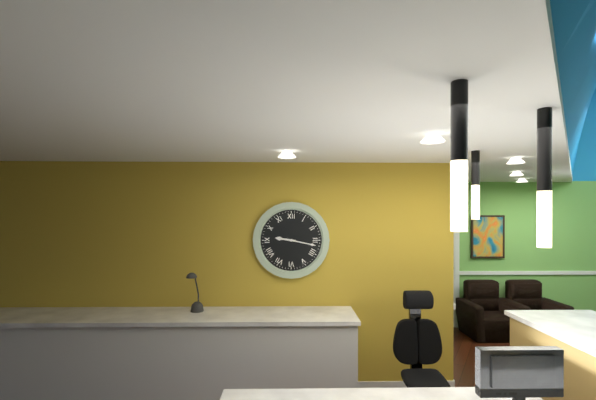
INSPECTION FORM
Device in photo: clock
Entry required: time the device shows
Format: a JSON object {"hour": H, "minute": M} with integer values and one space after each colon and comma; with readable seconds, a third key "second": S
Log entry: {"hour": 9, "minute": 17}
